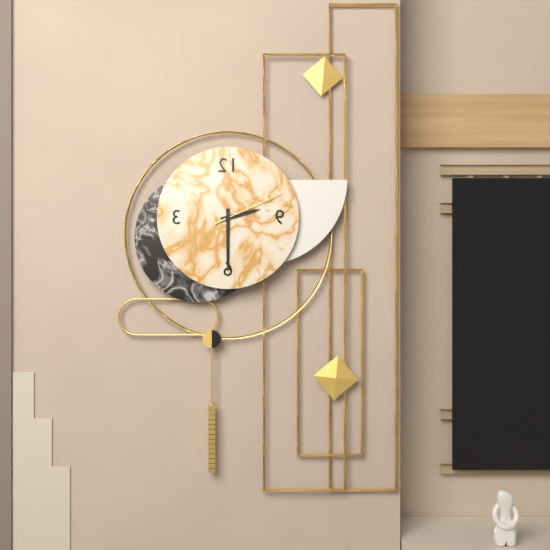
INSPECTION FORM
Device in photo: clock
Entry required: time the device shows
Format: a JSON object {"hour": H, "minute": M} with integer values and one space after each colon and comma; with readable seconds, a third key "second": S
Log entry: {"hour": 2, "minute": 30, "second": 11}
